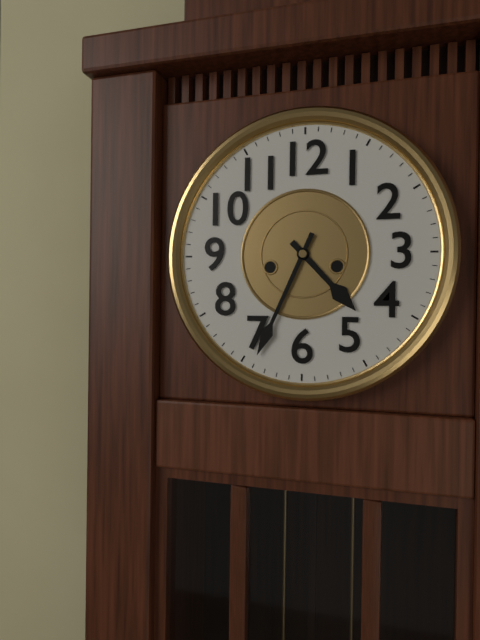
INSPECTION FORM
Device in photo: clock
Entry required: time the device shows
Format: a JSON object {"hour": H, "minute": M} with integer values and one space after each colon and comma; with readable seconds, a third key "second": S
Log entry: {"hour": 4, "minute": 34}
